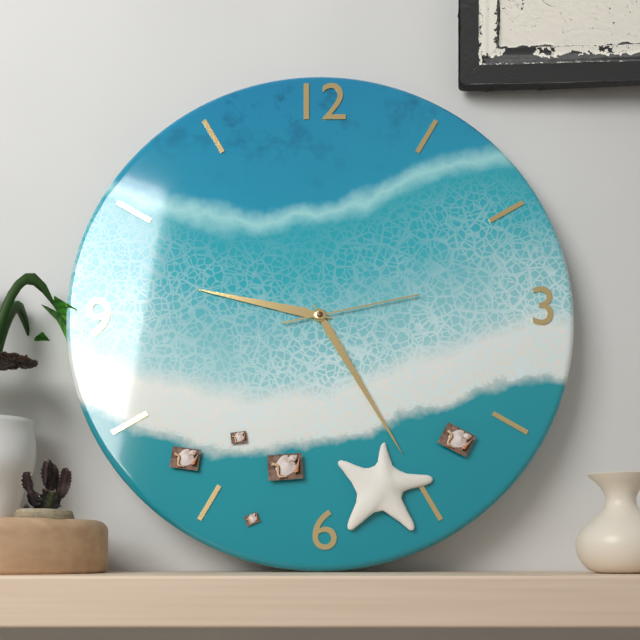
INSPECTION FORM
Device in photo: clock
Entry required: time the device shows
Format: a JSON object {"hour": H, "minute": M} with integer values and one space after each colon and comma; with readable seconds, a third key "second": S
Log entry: {"hour": 9, "minute": 25, "second": 13}
